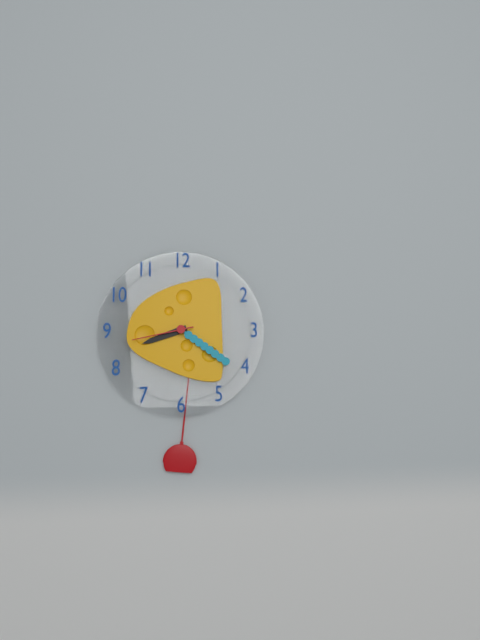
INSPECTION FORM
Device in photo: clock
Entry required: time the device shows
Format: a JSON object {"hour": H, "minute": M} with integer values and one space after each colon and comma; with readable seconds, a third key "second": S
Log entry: {"hour": 8, "minute": 21, "second": 43}
